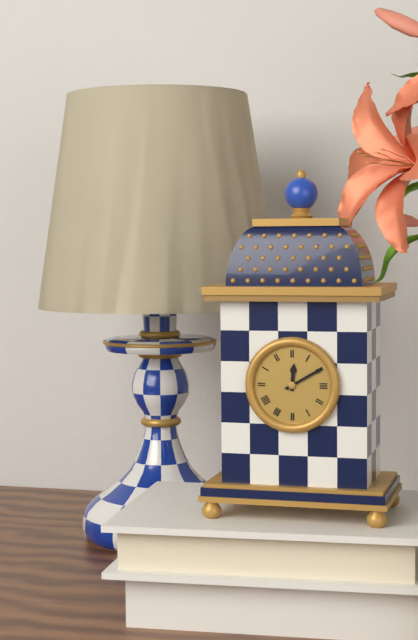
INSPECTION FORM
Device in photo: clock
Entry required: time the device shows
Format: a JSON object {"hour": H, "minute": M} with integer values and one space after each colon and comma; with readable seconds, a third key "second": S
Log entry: {"hour": 12, "minute": 10}
